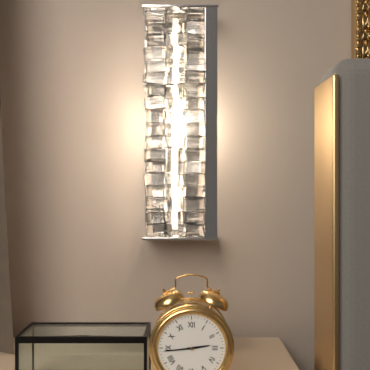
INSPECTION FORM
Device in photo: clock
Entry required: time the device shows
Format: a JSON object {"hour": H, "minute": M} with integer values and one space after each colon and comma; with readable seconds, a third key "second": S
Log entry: {"hour": 2, "minute": 44}
